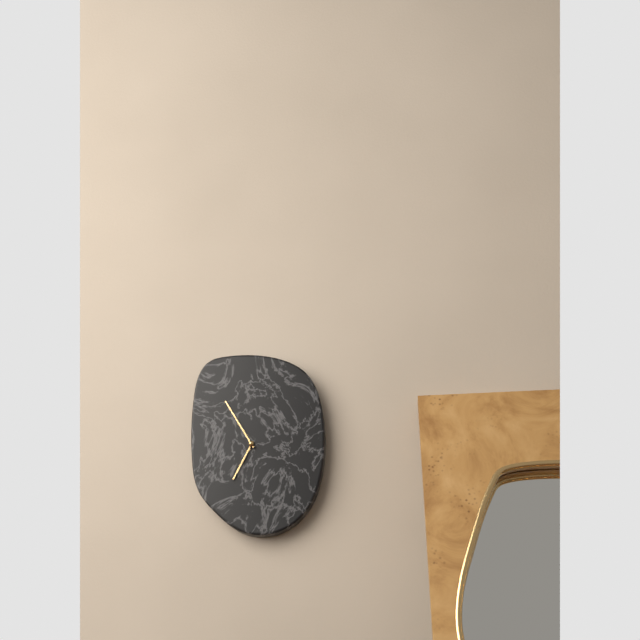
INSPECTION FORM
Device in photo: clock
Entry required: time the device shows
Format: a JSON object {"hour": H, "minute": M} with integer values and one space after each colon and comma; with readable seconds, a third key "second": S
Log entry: {"hour": 6, "minute": 55}
